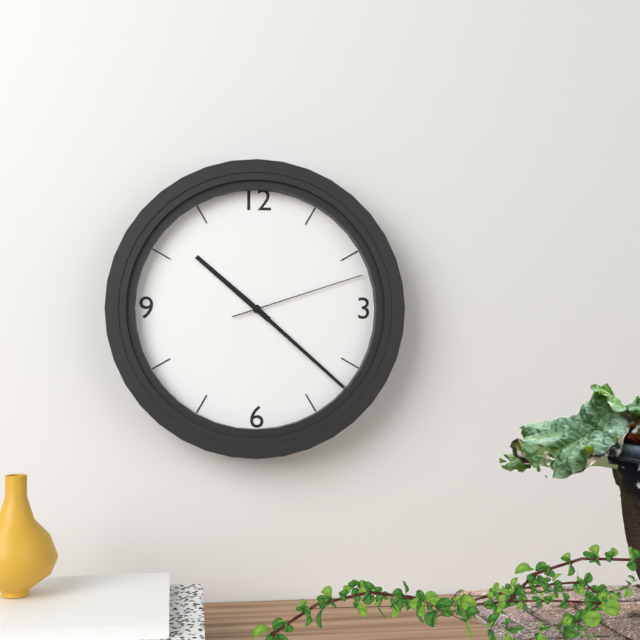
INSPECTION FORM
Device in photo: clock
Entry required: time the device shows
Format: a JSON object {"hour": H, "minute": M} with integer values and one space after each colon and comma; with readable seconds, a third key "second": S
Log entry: {"hour": 10, "minute": 22, "second": 12}
